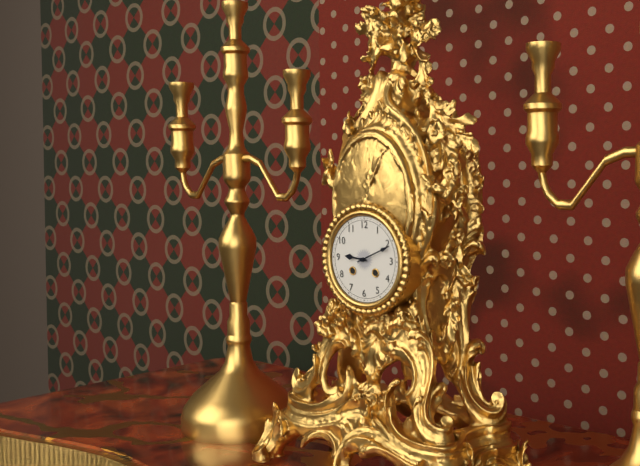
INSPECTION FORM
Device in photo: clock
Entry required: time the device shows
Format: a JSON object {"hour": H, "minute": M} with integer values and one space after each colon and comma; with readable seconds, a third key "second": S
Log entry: {"hour": 9, "minute": 11}
